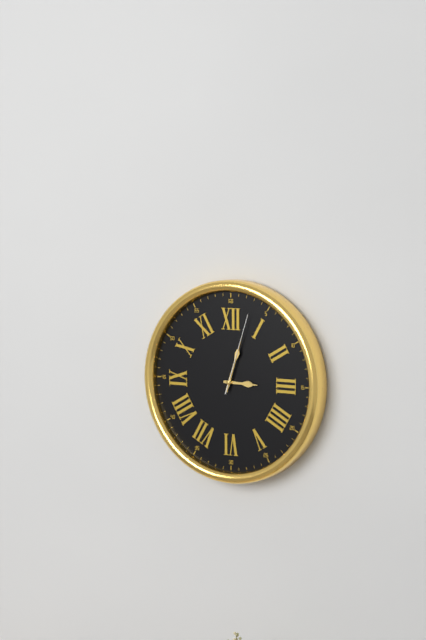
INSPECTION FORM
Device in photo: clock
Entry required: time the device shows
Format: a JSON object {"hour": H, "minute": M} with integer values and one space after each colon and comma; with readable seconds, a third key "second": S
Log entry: {"hour": 3, "minute": 3, "second": 3}
